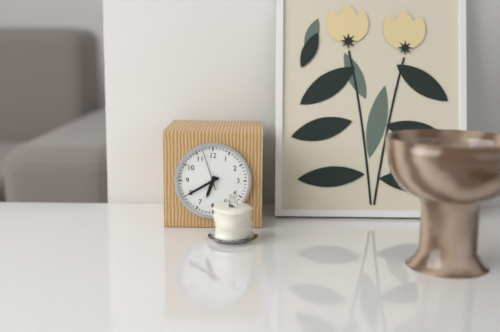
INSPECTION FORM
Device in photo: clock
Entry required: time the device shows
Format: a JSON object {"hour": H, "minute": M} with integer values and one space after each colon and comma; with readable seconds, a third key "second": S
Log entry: {"hour": 6, "minute": 40}
